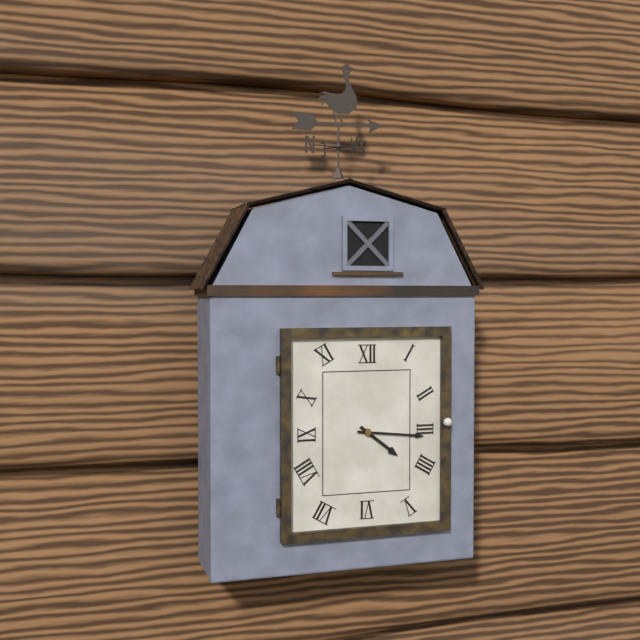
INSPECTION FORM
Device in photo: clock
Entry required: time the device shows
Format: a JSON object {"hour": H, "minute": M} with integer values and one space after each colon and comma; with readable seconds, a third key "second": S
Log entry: {"hour": 4, "minute": 16}
